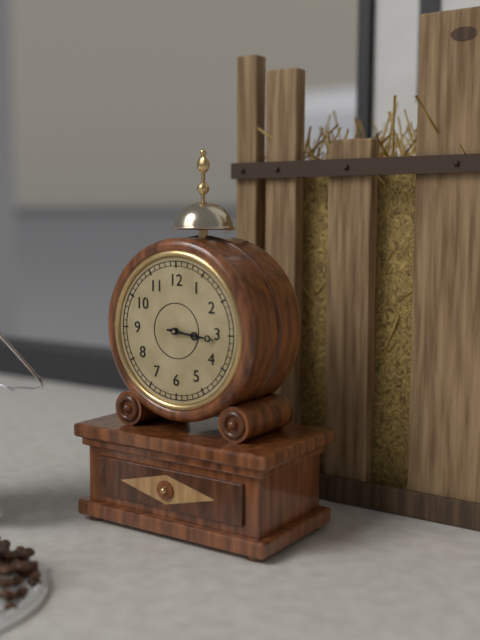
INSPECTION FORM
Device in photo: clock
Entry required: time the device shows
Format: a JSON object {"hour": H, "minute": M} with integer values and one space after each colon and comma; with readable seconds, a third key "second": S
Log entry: {"hour": 3, "minute": 16}
